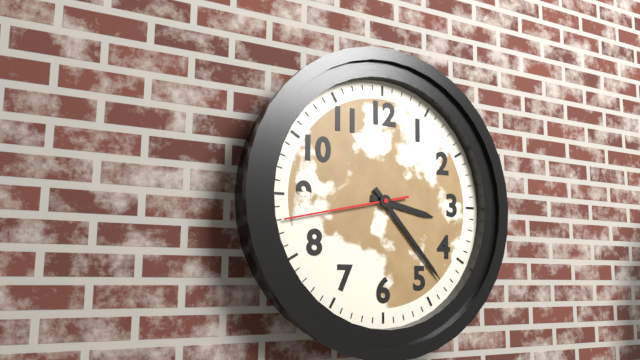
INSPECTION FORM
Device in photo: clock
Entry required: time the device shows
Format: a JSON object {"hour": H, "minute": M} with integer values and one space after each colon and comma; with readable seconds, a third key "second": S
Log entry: {"hour": 3, "minute": 23, "second": 43}
